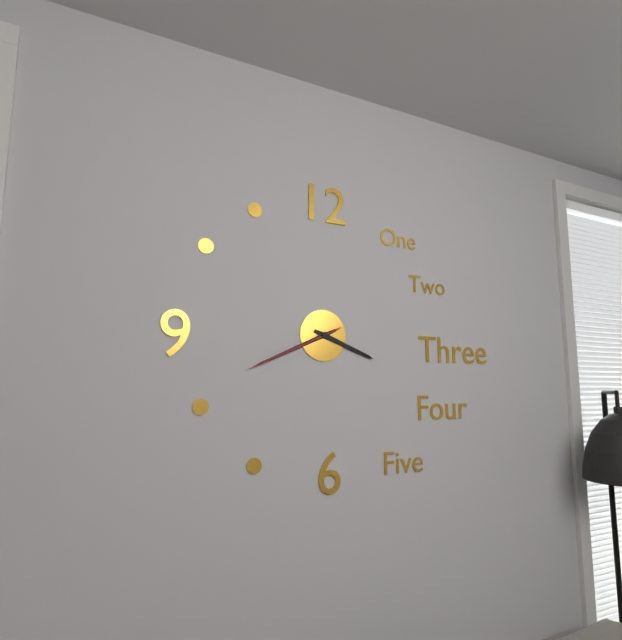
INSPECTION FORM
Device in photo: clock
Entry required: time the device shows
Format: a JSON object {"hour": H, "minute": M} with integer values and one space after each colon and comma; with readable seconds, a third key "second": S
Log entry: {"hour": 3, "minute": 41, "second": 41}
